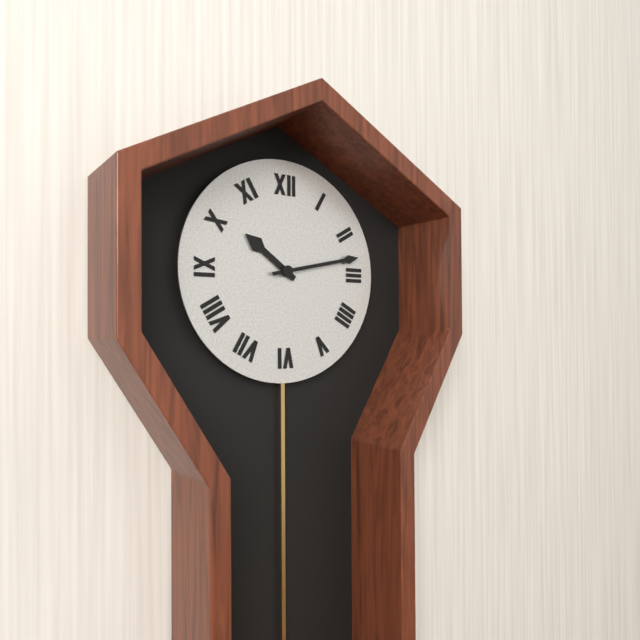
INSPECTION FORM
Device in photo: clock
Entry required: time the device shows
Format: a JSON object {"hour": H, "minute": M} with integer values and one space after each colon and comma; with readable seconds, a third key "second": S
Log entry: {"hour": 10, "minute": 13}
